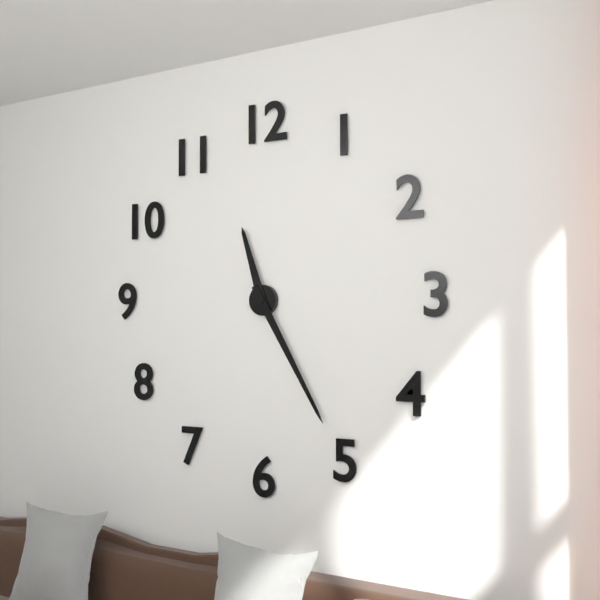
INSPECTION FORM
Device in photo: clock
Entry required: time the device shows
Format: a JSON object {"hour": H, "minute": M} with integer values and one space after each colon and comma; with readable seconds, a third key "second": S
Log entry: {"hour": 11, "minute": 25}
